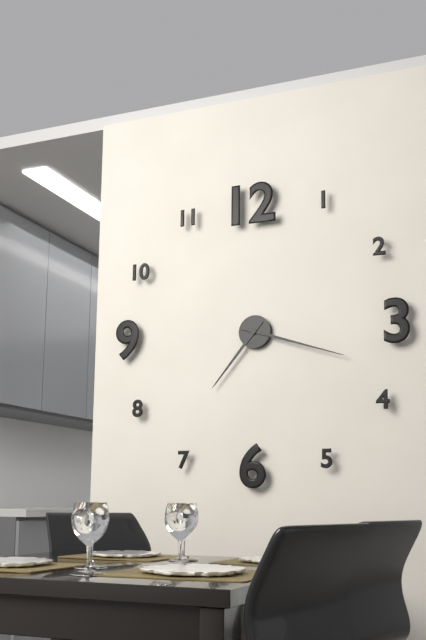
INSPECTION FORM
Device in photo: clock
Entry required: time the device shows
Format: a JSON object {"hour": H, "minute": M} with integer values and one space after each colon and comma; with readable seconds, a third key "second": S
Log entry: {"hour": 7, "minute": 18}
